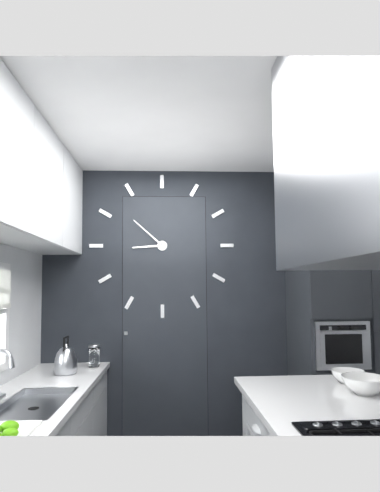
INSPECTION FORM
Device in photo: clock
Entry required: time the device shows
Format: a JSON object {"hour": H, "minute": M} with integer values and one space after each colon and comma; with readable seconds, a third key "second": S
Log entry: {"hour": 8, "minute": 52}
